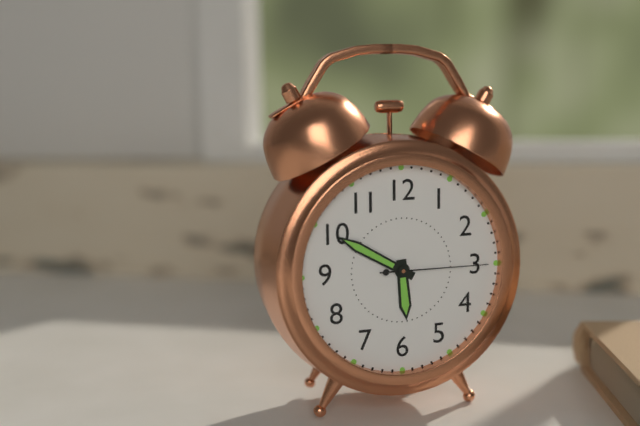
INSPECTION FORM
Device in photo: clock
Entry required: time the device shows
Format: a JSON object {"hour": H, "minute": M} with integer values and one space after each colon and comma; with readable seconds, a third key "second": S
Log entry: {"hour": 5, "minute": 50, "second": 15}
